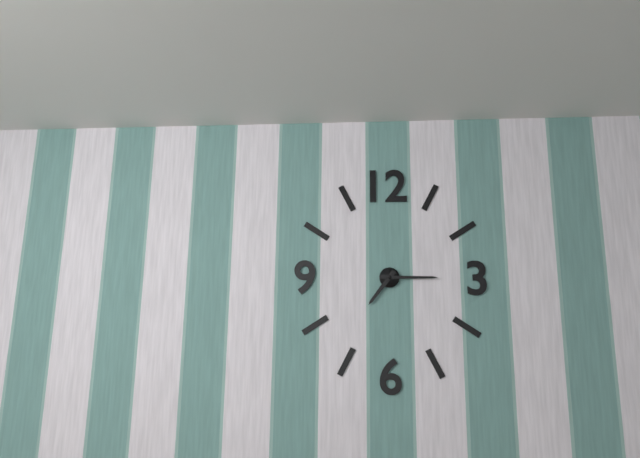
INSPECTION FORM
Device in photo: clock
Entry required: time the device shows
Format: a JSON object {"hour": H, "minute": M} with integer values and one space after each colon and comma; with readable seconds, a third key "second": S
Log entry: {"hour": 7, "minute": 15}
